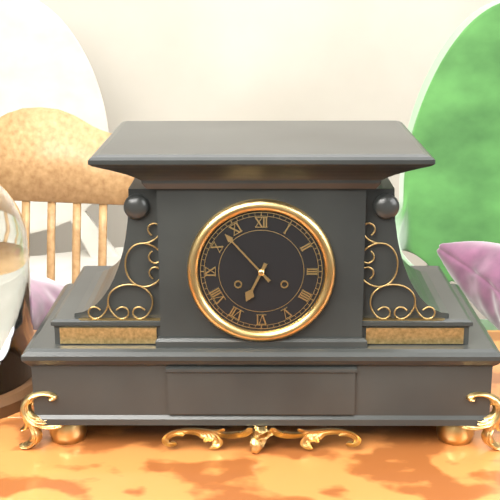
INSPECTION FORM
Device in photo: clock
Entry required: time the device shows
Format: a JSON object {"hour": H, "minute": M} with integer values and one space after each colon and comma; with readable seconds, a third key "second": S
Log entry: {"hour": 6, "minute": 53}
